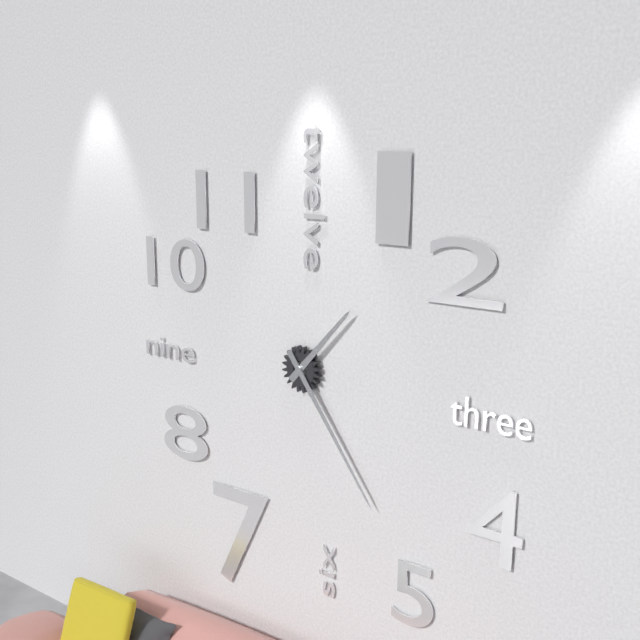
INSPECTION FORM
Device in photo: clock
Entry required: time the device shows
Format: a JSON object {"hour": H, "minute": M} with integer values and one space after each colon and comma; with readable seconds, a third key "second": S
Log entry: {"hour": 1, "minute": 24}
